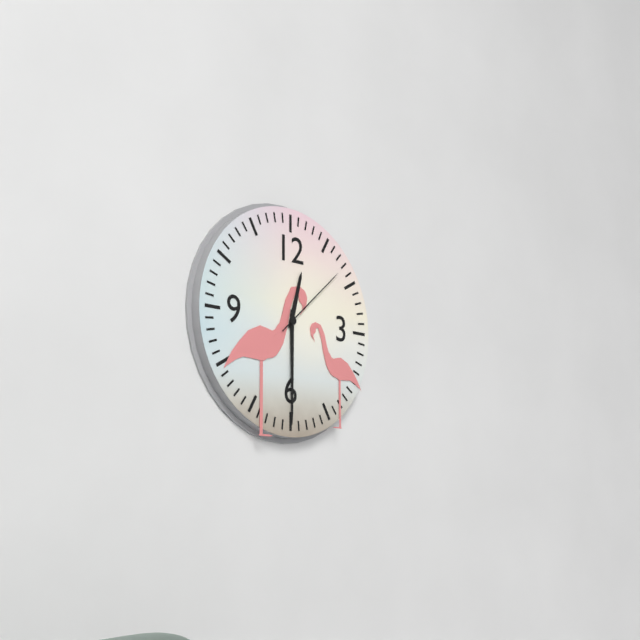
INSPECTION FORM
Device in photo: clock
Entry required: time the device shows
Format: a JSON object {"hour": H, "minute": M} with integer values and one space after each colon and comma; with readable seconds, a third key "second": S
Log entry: {"hour": 12, "minute": 30, "second": 8}
